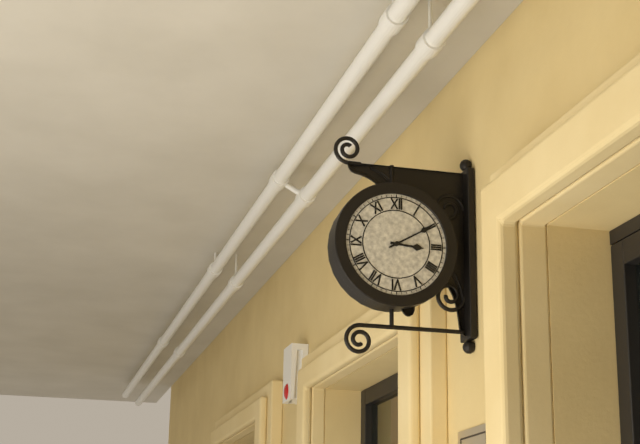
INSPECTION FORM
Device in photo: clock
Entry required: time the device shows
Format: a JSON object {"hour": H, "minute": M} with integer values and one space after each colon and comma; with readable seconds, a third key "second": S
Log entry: {"hour": 3, "minute": 10}
